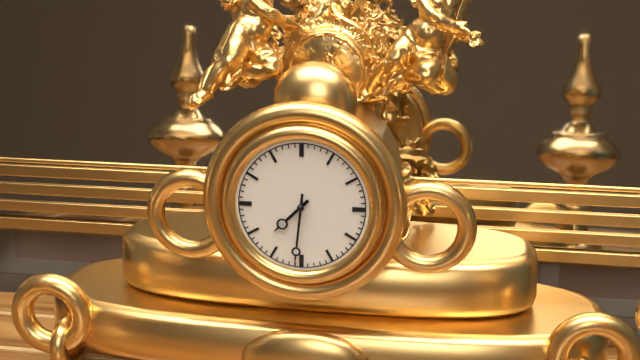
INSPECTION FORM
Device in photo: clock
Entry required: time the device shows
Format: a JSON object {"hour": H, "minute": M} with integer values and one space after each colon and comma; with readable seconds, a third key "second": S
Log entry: {"hour": 7, "minute": 31}
